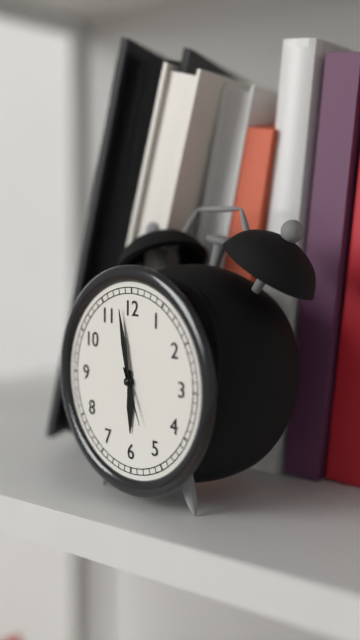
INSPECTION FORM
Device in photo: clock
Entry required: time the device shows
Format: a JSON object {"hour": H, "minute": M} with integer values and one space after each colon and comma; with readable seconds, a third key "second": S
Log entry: {"hour": 5, "minute": 58, "second": 26}
